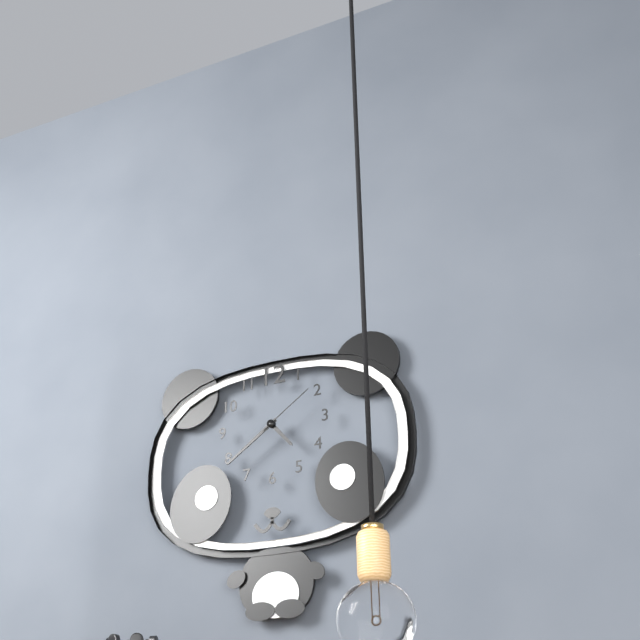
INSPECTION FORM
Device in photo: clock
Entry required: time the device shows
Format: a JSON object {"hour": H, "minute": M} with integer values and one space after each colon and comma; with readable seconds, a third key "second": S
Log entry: {"hour": 4, "minute": 39, "second": 9}
